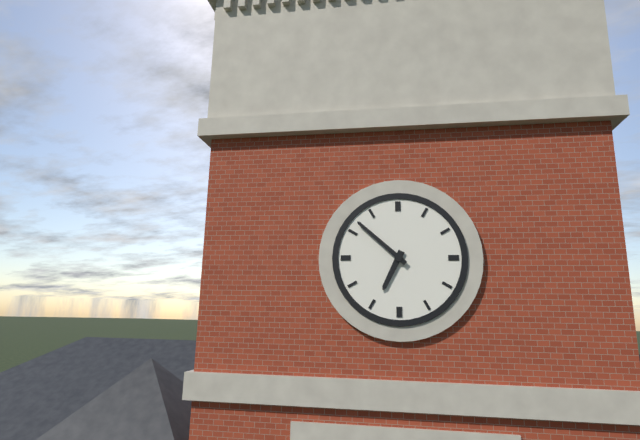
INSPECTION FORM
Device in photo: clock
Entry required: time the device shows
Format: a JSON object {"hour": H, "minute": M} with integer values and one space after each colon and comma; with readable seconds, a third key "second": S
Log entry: {"hour": 6, "minute": 52}
